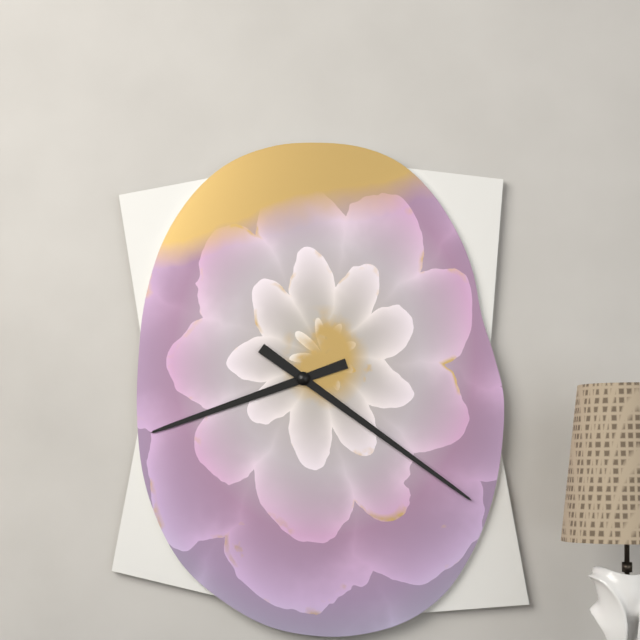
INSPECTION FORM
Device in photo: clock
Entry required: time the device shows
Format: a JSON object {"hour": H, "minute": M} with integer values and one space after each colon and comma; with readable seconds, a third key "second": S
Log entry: {"hour": 8, "minute": 21}
